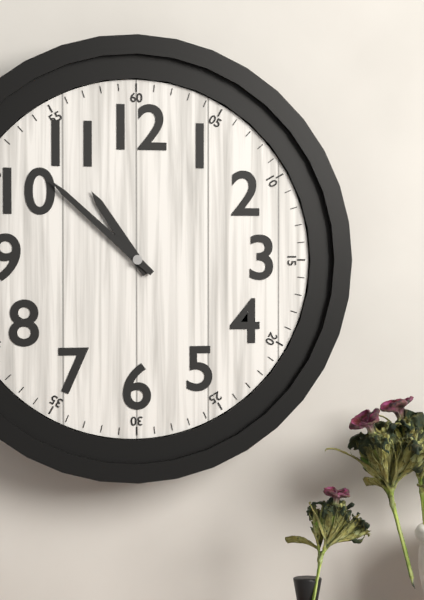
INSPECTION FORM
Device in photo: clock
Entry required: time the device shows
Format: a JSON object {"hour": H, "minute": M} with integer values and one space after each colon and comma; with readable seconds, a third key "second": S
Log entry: {"hour": 10, "minute": 52}
